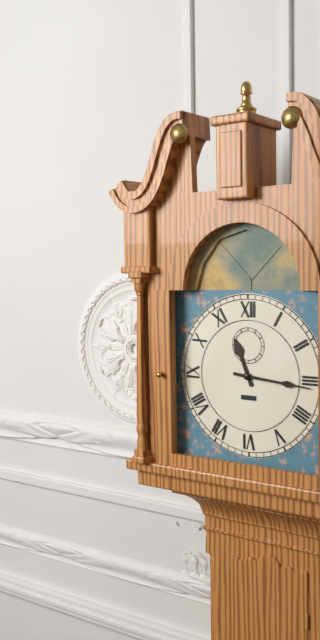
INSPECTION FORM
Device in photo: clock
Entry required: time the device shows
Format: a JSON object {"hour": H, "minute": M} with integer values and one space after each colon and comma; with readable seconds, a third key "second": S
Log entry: {"hour": 11, "minute": 16}
